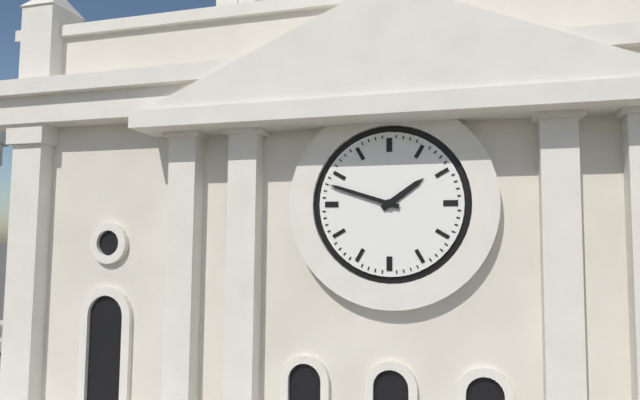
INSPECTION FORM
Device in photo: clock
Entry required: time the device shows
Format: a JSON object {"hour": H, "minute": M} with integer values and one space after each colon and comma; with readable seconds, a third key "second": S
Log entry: {"hour": 1, "minute": 48}
